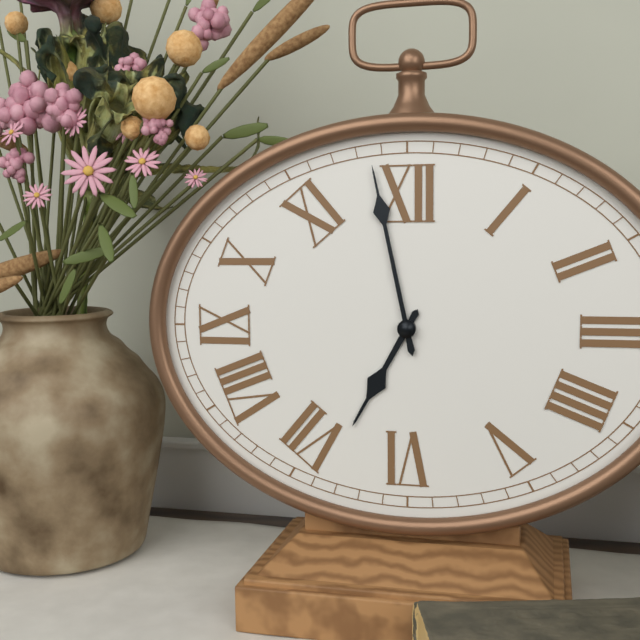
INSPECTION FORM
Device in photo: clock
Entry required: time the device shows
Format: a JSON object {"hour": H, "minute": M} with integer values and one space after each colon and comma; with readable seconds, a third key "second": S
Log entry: {"hour": 6, "minute": 58}
